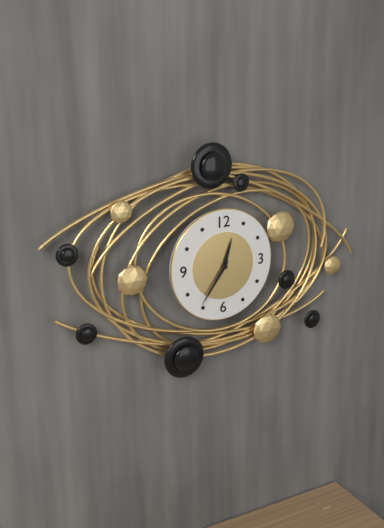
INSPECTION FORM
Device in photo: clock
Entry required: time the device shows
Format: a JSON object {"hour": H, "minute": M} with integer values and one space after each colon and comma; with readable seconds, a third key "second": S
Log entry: {"hour": 12, "minute": 36}
